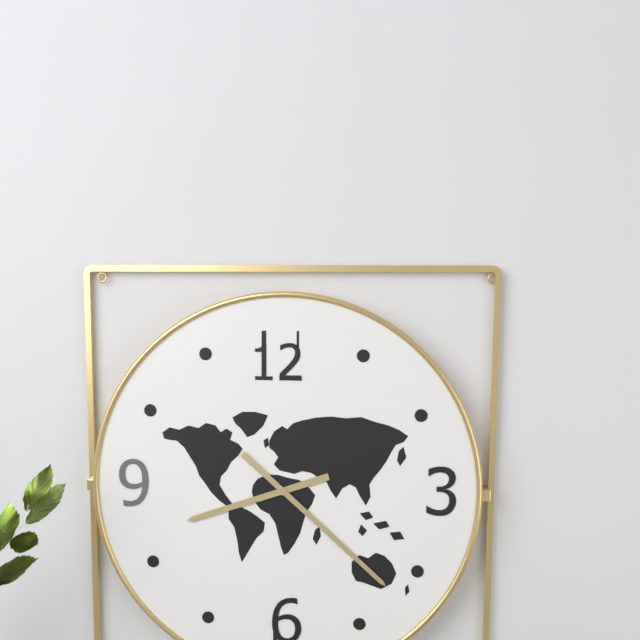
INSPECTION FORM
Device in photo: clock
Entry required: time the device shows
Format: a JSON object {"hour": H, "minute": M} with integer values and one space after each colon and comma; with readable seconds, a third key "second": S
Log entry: {"hour": 8, "minute": 22}
